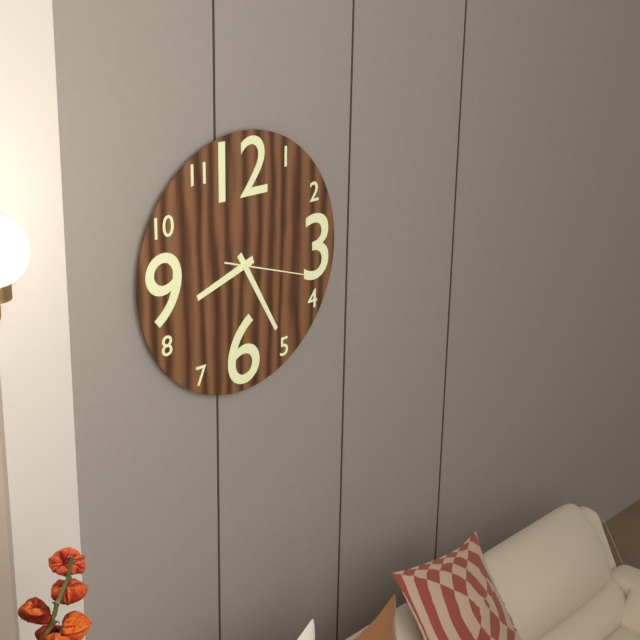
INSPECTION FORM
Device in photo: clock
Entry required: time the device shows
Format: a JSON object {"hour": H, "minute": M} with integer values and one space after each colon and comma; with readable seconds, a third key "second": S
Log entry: {"hour": 8, "minute": 25, "second": 18}
